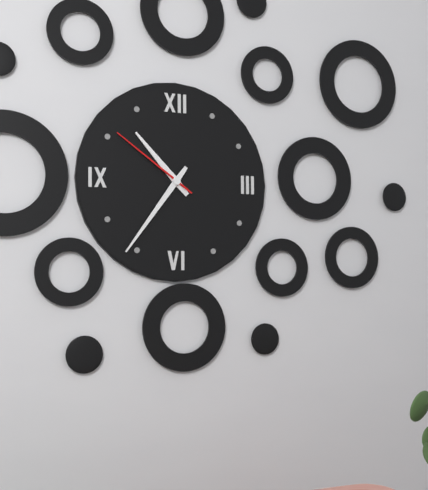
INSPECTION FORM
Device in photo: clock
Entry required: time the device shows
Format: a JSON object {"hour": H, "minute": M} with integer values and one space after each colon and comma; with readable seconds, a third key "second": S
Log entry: {"hour": 10, "minute": 36, "second": 51}
